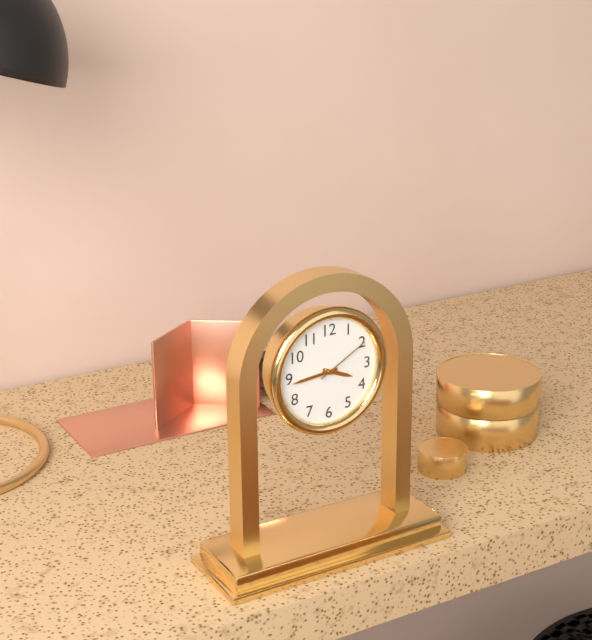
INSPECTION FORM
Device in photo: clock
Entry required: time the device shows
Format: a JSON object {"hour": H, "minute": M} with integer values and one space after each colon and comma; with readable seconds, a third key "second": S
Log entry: {"hour": 3, "minute": 44, "second": 10}
